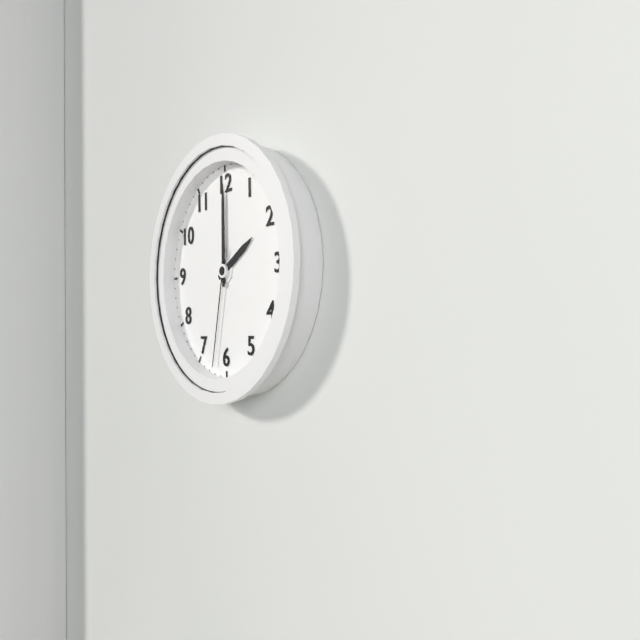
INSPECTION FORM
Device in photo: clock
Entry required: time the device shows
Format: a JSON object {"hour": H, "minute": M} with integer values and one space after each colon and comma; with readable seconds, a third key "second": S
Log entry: {"hour": 2, "minute": 0, "second": 32}
